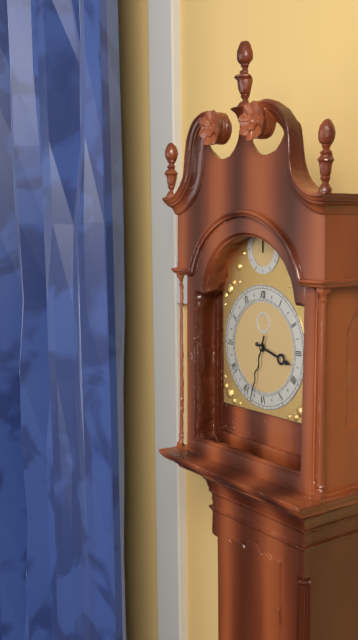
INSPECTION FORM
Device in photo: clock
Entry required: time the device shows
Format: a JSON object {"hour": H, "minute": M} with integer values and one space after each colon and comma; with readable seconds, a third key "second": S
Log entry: {"hour": 3, "minute": 33}
